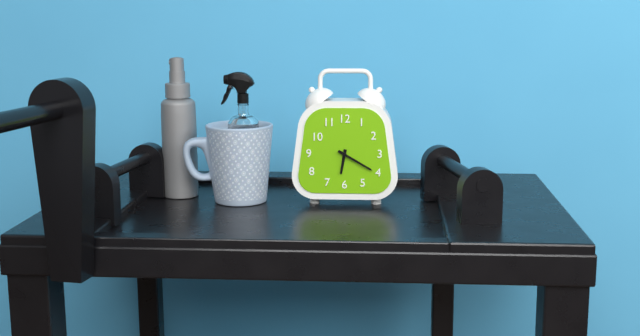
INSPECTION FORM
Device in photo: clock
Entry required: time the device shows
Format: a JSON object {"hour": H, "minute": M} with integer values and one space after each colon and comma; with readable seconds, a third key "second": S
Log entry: {"hour": 6, "minute": 20}
